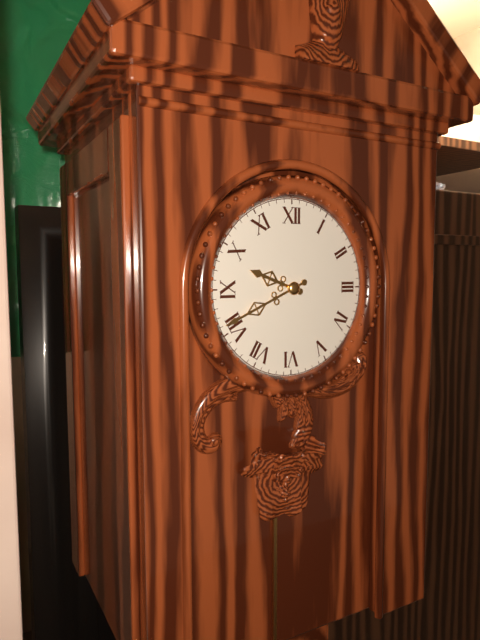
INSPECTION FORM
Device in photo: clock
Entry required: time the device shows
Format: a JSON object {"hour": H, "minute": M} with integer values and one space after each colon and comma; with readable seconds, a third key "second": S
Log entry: {"hour": 9, "minute": 41}
